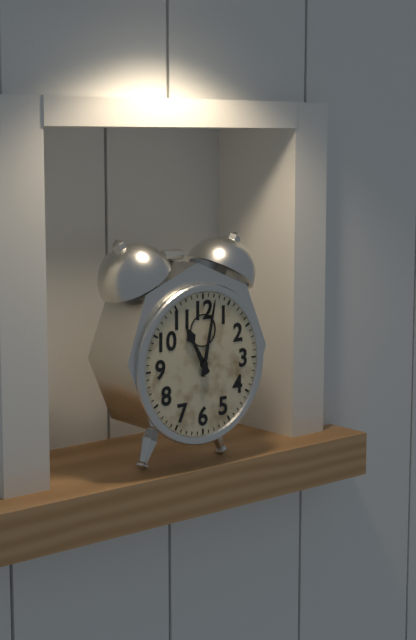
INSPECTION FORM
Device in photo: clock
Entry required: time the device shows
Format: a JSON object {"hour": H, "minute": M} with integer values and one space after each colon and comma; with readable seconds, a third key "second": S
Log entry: {"hour": 11, "minute": 2}
